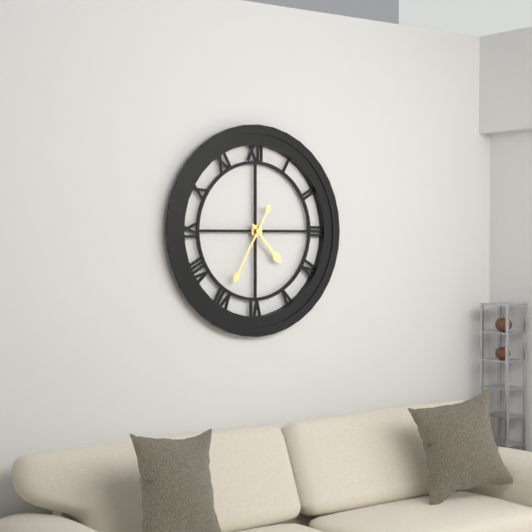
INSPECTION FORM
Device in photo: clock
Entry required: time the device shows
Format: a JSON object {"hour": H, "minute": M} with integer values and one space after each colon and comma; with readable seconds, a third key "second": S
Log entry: {"hour": 4, "minute": 35}
